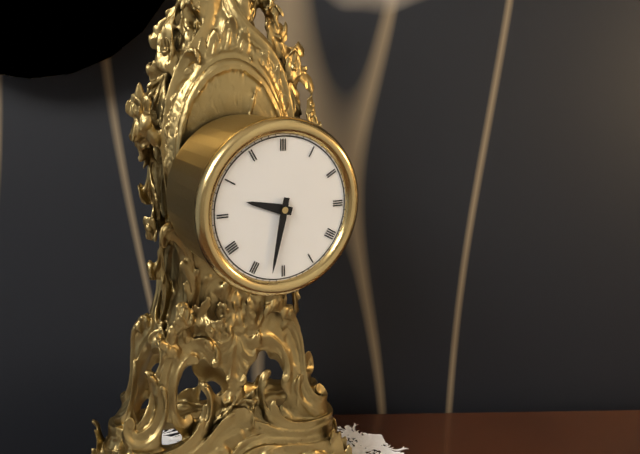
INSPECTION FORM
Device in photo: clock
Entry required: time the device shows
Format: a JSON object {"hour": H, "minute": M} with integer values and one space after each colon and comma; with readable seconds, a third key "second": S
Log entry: {"hour": 9, "minute": 32}
